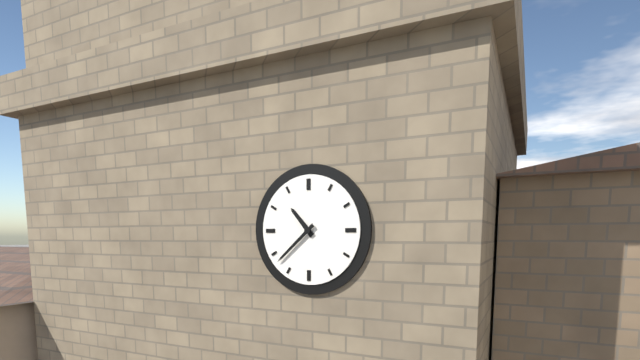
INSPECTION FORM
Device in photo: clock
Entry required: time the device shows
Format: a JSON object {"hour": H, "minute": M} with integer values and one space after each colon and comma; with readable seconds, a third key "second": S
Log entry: {"hour": 10, "minute": 38}
